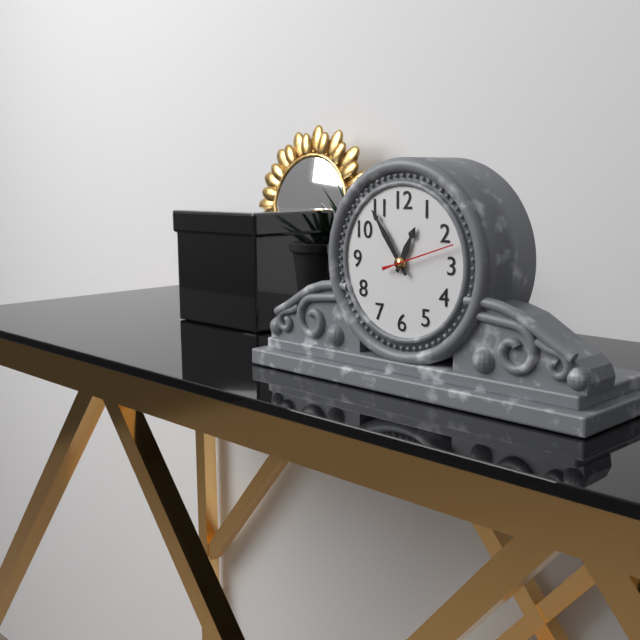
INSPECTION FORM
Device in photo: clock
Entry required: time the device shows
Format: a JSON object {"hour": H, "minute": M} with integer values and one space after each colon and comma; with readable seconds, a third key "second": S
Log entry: {"hour": 12, "minute": 54, "second": 12}
